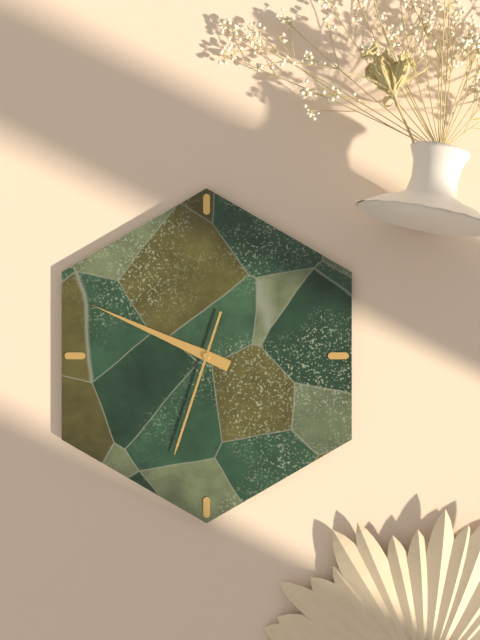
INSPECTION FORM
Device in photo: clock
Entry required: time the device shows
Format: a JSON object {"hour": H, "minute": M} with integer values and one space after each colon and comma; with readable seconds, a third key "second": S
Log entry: {"hour": 9, "minute": 49, "second": 33}
